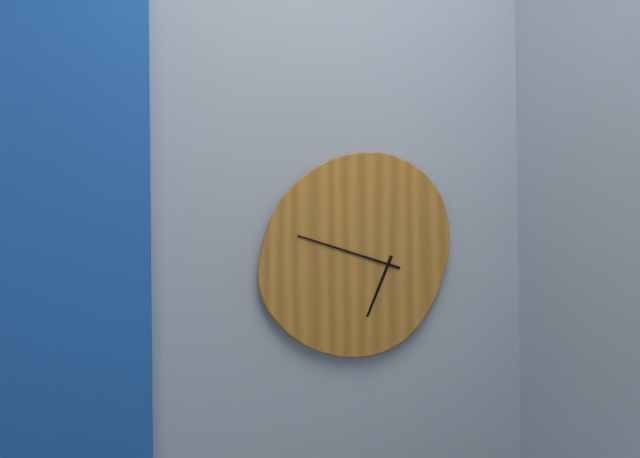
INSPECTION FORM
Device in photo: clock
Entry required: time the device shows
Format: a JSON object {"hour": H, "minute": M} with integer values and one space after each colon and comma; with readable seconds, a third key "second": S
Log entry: {"hour": 6, "minute": 48}
